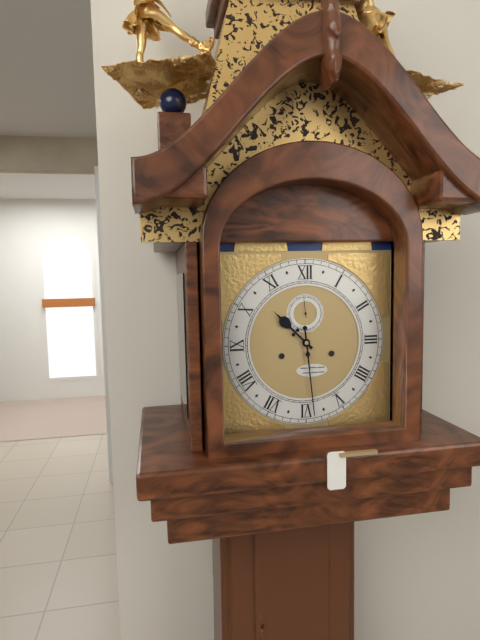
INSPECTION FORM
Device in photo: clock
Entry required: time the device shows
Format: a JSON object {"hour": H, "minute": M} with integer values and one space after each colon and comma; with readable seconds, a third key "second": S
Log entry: {"hour": 10, "minute": 29}
